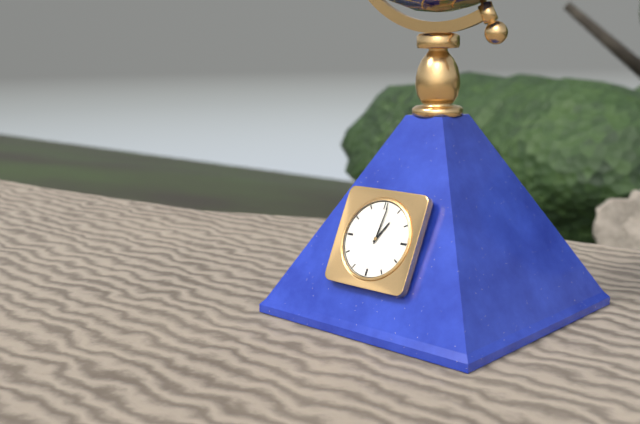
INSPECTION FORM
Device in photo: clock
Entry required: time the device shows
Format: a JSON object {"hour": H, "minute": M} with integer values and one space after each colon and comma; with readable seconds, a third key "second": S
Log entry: {"hour": 1, "minute": 1}
